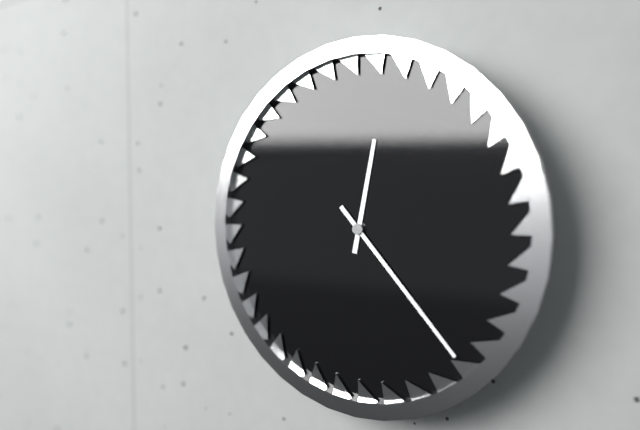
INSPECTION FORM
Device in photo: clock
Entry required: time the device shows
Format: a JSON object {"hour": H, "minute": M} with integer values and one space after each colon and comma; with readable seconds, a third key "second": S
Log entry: {"hour": 12, "minute": 23}
